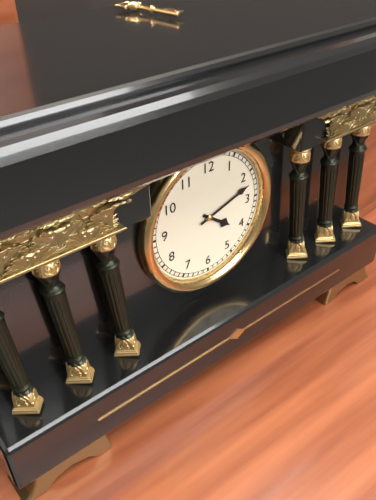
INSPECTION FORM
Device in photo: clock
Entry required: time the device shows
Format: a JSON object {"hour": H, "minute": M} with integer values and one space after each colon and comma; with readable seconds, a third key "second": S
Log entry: {"hour": 4, "minute": 12}
